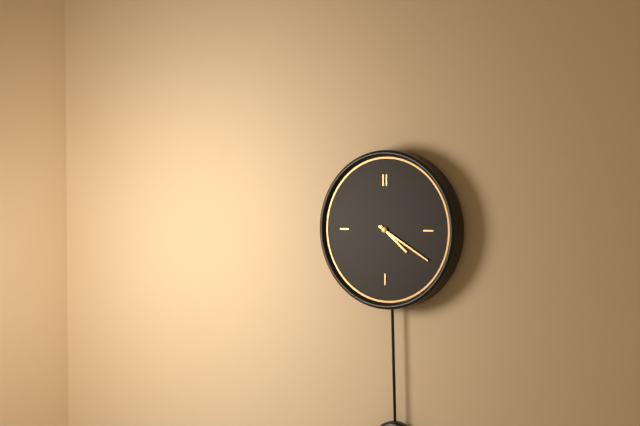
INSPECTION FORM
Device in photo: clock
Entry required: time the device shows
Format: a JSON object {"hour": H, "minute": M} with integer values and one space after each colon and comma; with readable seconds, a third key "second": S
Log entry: {"hour": 4, "minute": 20}
